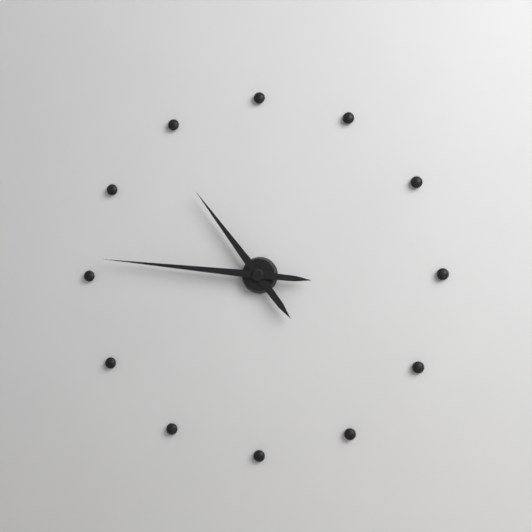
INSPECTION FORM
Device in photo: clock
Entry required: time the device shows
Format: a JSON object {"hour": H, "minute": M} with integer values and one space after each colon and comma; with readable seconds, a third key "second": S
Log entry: {"hour": 10, "minute": 46}
